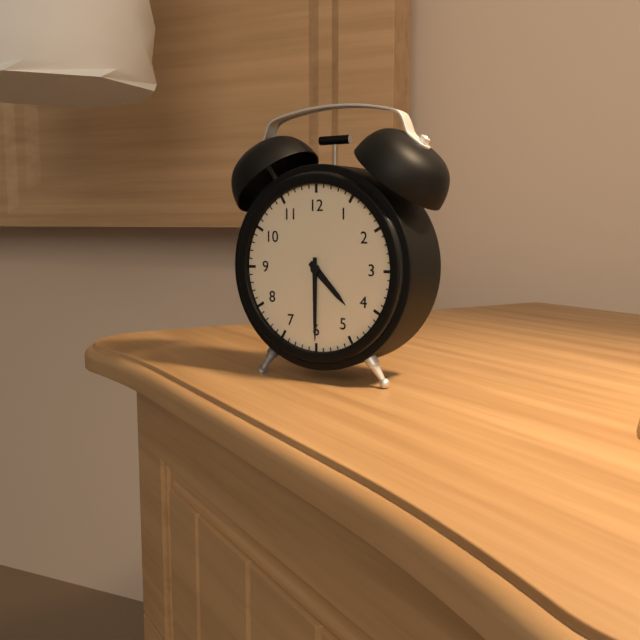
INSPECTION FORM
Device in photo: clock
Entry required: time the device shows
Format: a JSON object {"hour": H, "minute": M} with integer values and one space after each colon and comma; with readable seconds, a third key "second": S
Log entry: {"hour": 4, "minute": 30}
